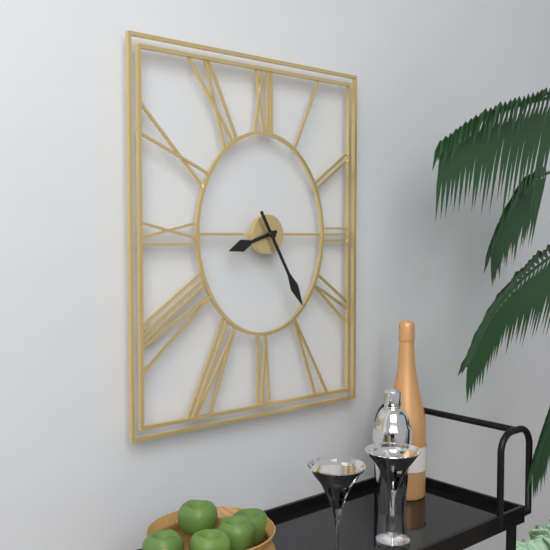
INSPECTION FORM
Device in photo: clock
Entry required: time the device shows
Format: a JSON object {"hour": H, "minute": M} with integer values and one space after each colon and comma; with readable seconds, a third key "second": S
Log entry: {"hour": 8, "minute": 25}
